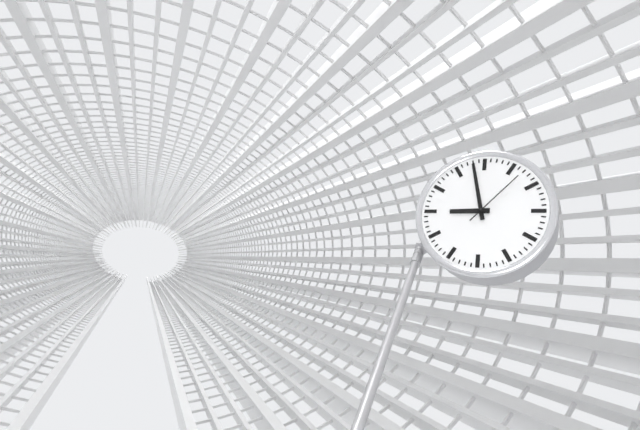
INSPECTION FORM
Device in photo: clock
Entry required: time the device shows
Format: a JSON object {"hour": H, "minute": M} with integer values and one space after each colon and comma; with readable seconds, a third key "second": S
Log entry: {"hour": 8, "minute": 58, "second": 7}
